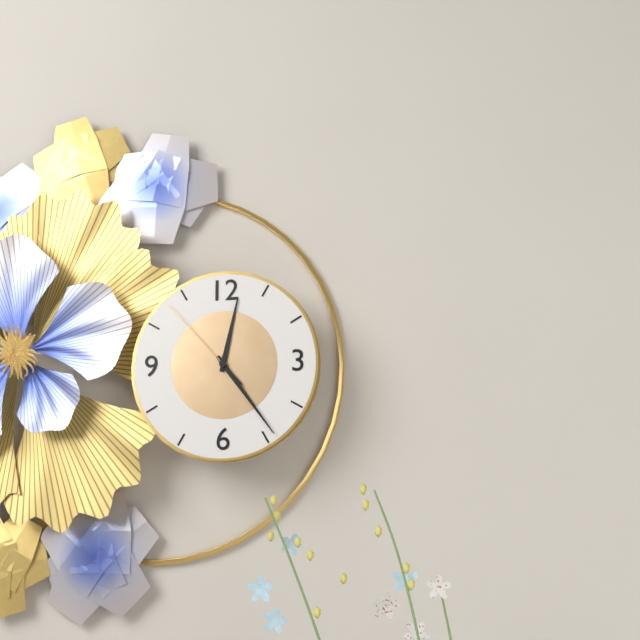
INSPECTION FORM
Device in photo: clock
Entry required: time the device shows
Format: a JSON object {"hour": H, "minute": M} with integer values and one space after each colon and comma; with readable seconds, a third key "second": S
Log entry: {"hour": 12, "minute": 24, "second": 53}
